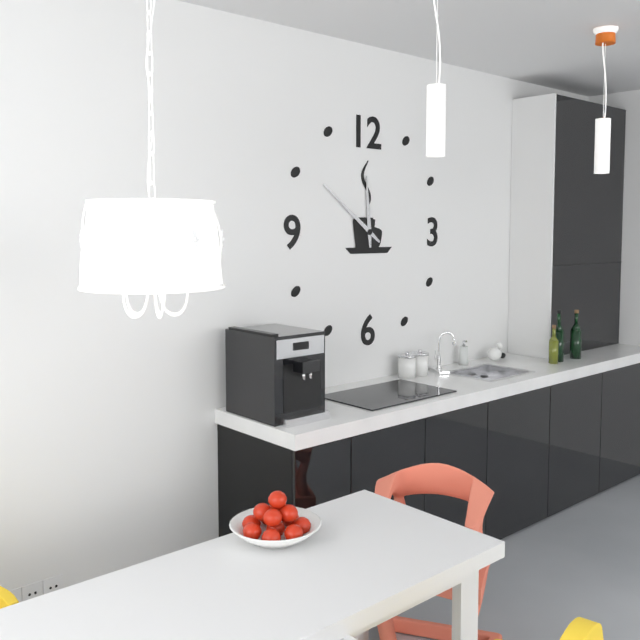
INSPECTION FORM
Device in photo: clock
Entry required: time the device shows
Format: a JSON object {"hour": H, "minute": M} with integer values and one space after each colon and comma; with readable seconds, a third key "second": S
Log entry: {"hour": 11, "minute": 51}
